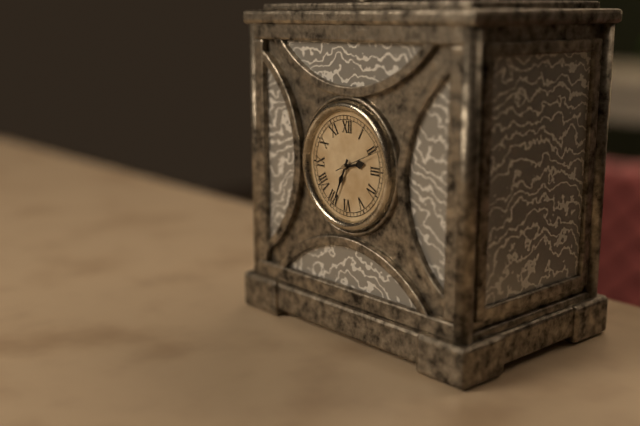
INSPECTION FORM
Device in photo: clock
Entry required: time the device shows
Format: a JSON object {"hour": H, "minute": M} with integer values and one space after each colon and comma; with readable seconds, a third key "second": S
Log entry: {"hour": 2, "minute": 34}
